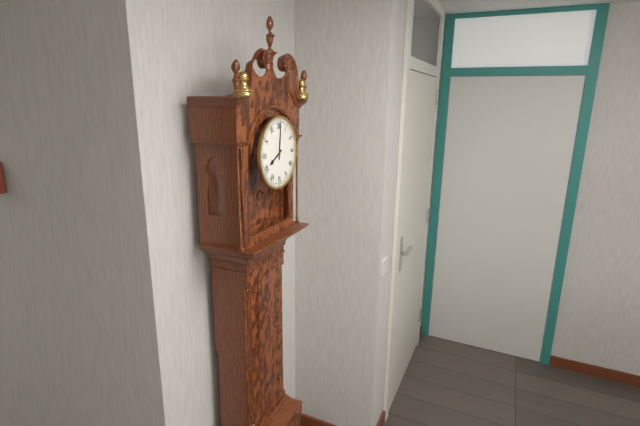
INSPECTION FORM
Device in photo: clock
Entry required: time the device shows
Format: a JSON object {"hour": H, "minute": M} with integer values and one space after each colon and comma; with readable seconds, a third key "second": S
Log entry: {"hour": 8, "minute": 1}
